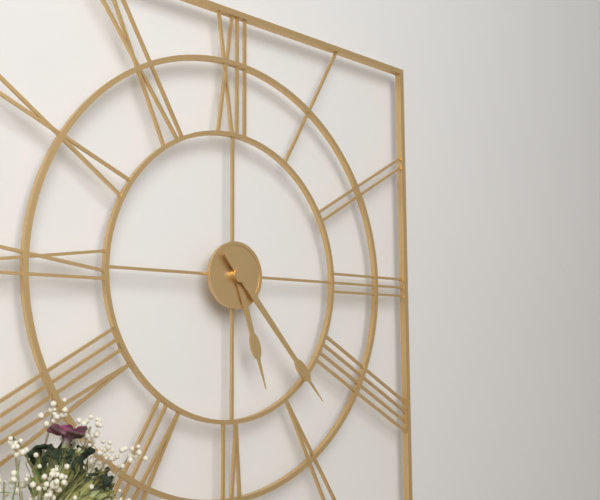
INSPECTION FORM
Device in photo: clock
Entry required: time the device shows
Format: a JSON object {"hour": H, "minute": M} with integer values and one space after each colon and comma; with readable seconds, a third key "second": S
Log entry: {"hour": 5, "minute": 23}
